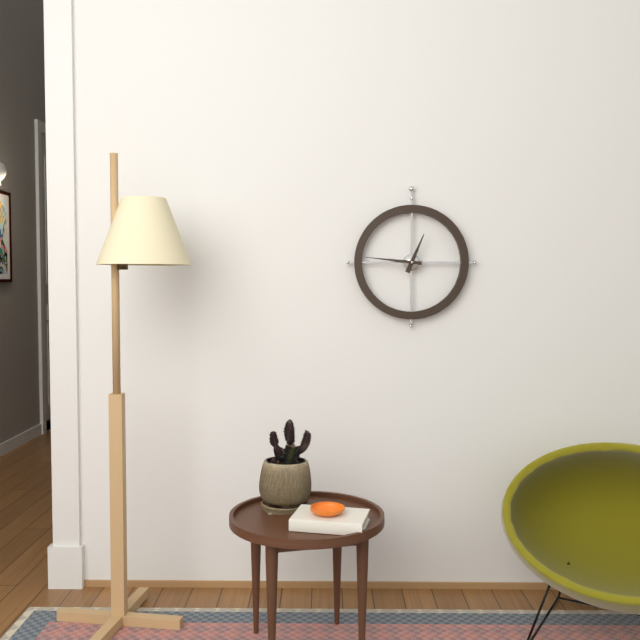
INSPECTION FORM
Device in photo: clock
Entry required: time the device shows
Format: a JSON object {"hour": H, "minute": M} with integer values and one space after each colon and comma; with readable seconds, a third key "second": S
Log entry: {"hour": 12, "minute": 46}
